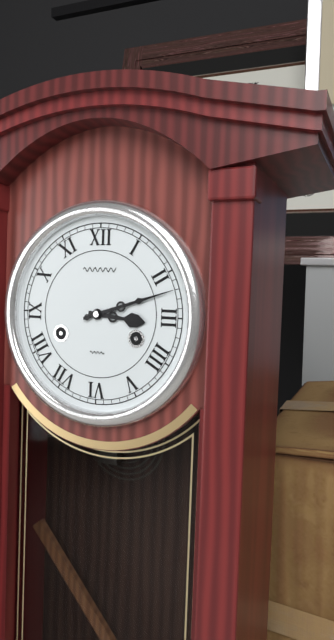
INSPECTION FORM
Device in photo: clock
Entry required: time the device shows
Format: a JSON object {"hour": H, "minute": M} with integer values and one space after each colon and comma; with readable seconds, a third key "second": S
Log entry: {"hour": 3, "minute": 12}
